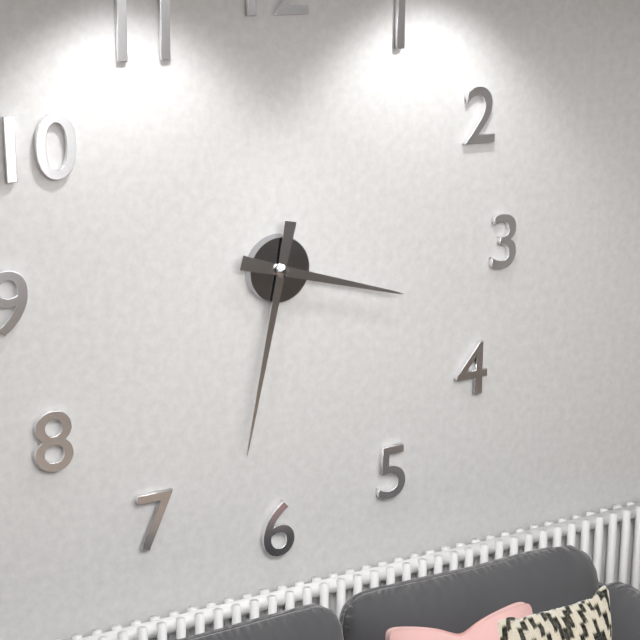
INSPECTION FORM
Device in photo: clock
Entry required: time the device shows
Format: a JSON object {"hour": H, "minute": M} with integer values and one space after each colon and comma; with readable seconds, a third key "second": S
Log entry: {"hour": 3, "minute": 32}
